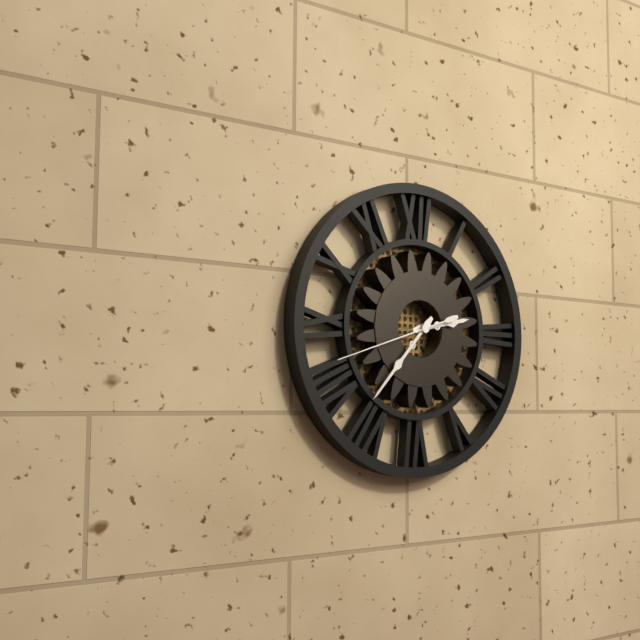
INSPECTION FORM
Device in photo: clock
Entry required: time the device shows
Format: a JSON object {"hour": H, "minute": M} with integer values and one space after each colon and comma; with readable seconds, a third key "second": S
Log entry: {"hour": 2, "minute": 37, "second": 42}
